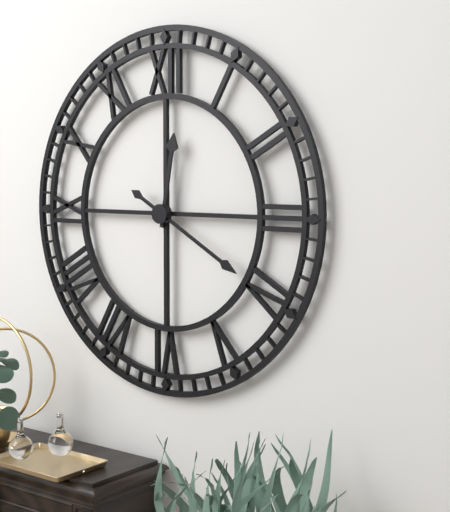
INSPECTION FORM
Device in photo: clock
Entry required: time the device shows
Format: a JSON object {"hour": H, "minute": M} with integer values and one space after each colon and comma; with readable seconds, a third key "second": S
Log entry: {"hour": 12, "minute": 20}
